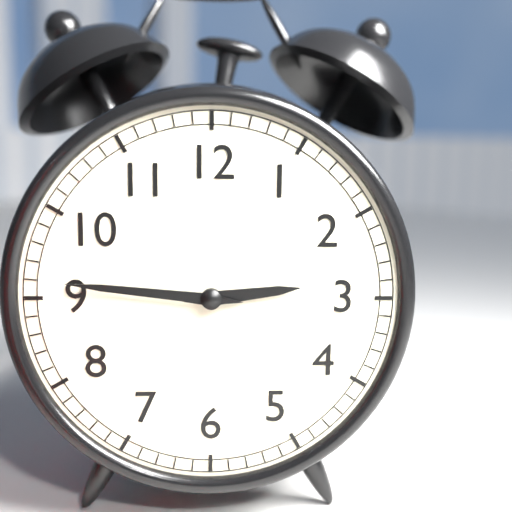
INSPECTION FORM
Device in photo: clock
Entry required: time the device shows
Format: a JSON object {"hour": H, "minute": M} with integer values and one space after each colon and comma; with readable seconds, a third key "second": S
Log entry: {"hour": 2, "minute": 46}
